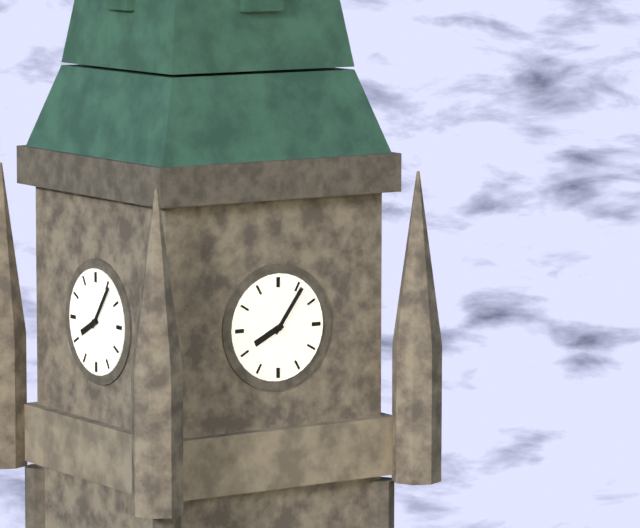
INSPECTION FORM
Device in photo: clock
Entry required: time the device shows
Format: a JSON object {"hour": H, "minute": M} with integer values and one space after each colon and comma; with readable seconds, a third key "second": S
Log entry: {"hour": 8, "minute": 6}
